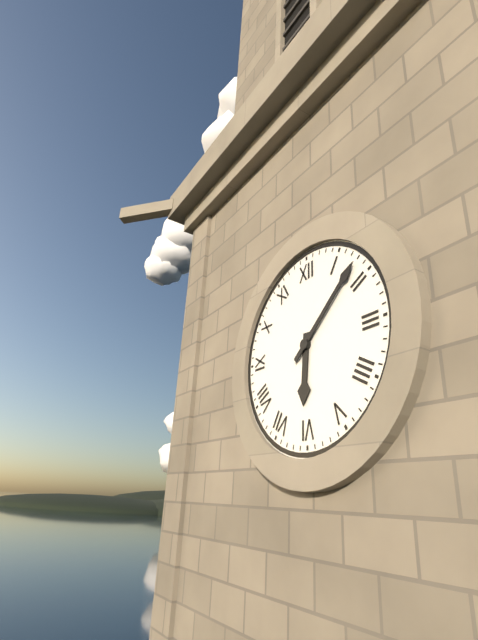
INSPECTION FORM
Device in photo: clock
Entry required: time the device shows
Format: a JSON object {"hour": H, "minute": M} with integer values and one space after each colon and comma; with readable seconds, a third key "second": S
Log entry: {"hour": 6, "minute": 8}
